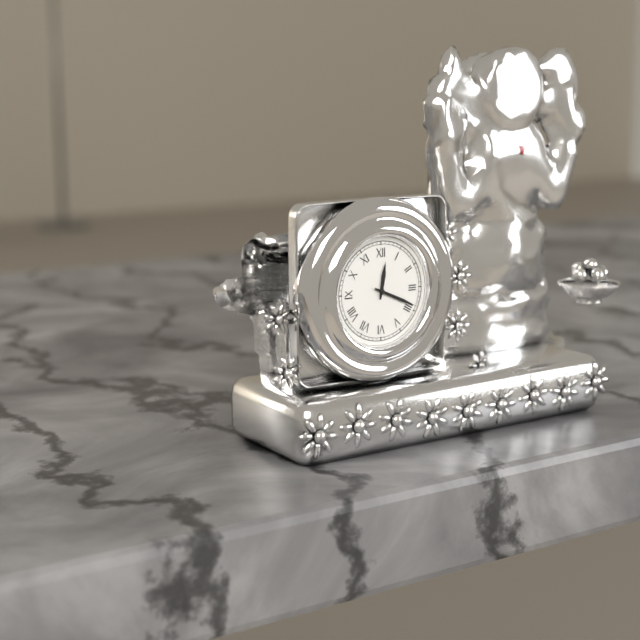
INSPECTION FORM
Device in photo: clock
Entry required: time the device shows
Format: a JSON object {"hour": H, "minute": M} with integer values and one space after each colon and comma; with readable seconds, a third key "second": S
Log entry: {"hour": 12, "minute": 19}
